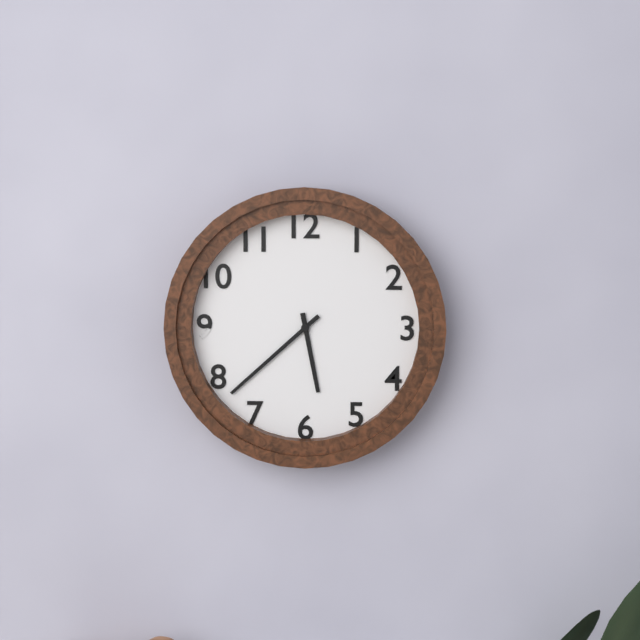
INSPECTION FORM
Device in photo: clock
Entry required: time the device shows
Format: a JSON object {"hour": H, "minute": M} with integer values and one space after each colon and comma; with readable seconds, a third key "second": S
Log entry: {"hour": 5, "minute": 38}
